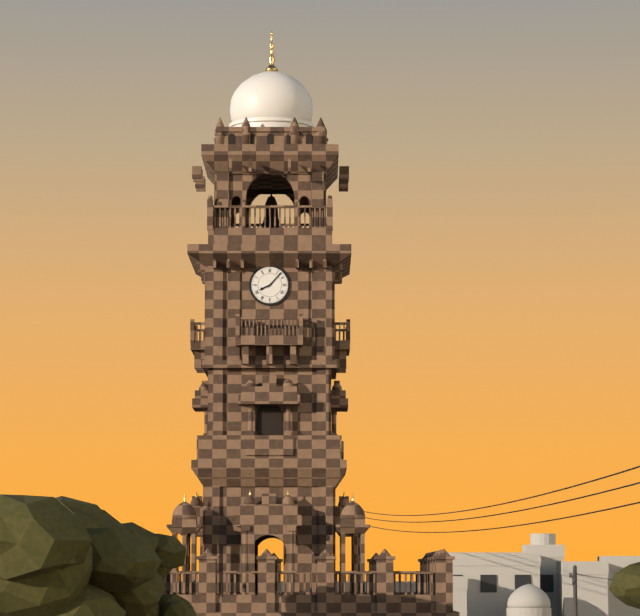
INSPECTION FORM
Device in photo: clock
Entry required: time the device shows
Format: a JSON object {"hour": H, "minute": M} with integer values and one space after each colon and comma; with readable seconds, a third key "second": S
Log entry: {"hour": 8, "minute": 7}
